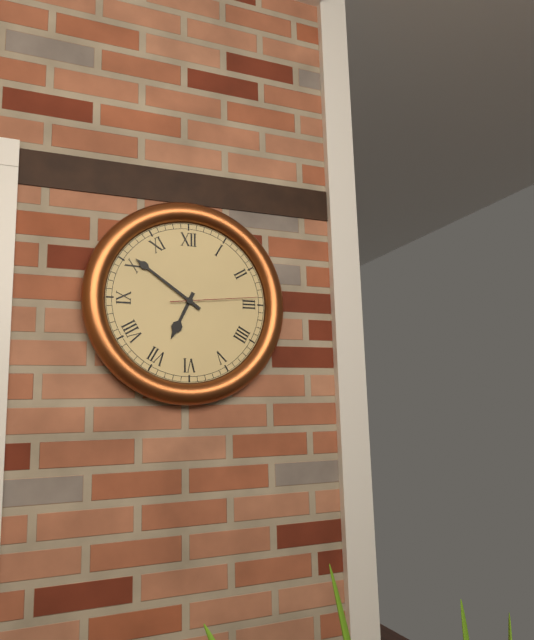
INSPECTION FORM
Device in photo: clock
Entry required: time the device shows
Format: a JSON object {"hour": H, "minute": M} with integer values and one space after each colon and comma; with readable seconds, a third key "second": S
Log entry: {"hour": 6, "minute": 51, "second": 14}
